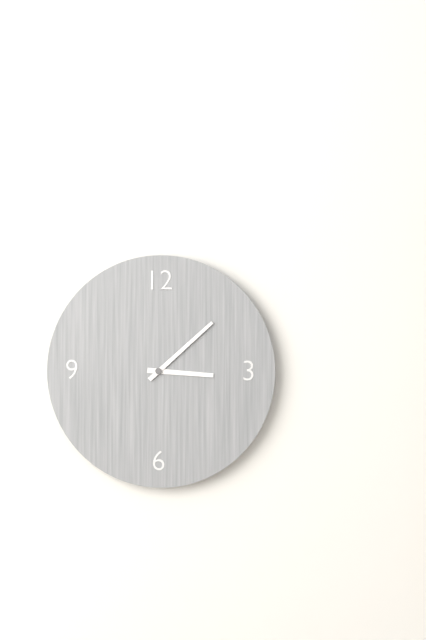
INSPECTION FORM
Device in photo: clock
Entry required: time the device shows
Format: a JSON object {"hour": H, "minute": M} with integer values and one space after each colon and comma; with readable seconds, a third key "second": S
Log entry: {"hour": 3, "minute": 8}
